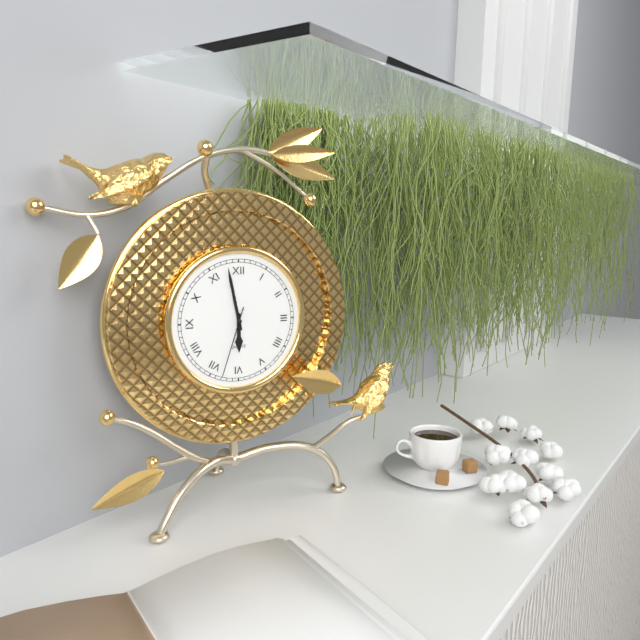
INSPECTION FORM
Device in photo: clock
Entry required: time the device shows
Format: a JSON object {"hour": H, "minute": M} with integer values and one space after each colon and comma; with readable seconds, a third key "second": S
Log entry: {"hour": 5, "minute": 58, "second": 33}
